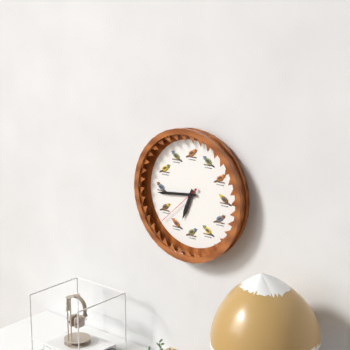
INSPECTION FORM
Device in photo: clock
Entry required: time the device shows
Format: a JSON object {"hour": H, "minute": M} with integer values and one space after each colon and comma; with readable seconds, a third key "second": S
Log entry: {"hour": 6, "minute": 44}
